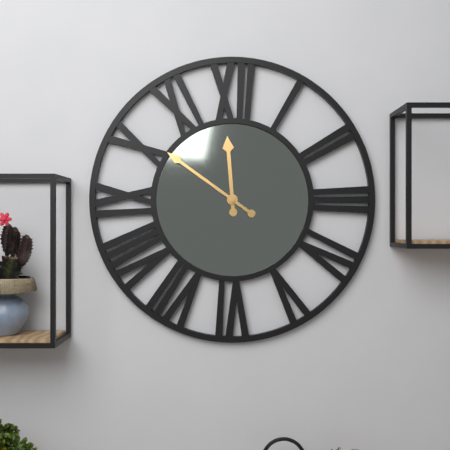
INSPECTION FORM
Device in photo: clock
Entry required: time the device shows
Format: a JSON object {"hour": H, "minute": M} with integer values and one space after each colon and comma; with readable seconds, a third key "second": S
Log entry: {"hour": 11, "minute": 51}
